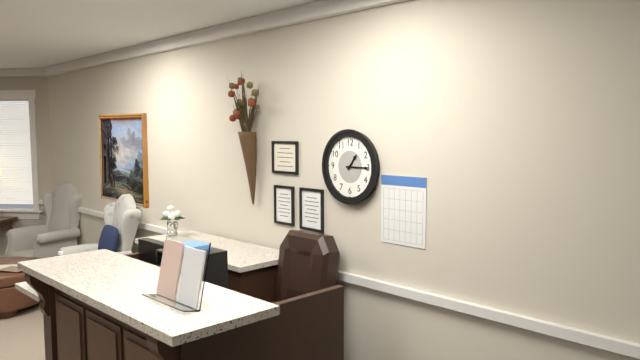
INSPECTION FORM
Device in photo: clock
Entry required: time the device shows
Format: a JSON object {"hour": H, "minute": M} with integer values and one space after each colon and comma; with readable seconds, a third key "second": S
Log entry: {"hour": 1, "minute": 15}
